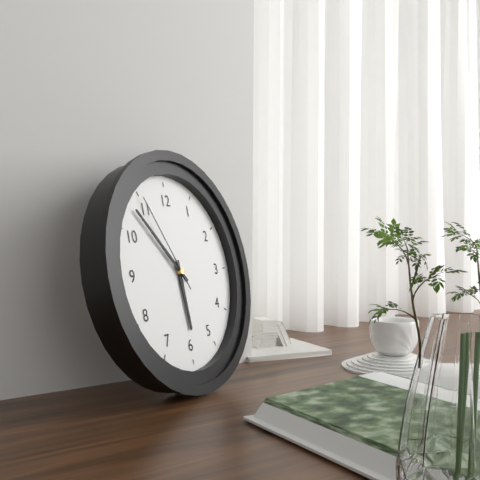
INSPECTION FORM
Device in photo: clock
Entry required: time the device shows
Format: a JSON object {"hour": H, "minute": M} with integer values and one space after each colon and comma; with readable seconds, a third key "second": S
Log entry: {"hour": 5, "minute": 53, "second": 55}
